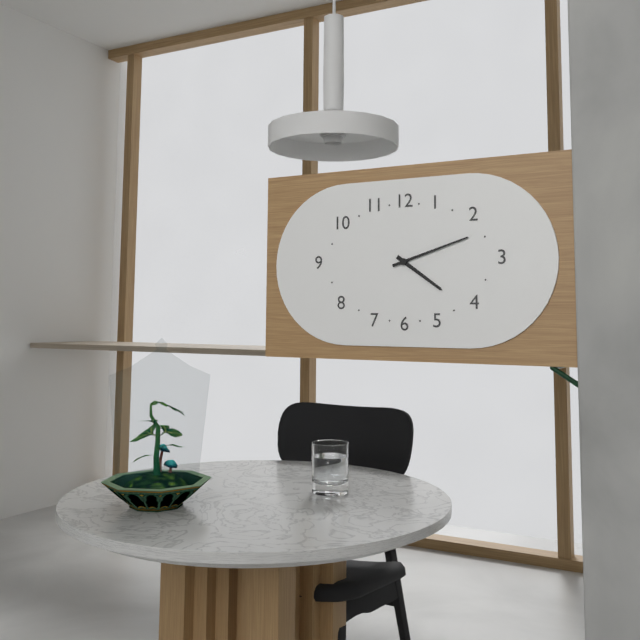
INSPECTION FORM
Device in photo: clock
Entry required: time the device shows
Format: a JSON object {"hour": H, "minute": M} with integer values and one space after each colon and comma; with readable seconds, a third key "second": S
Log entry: {"hour": 4, "minute": 12}
